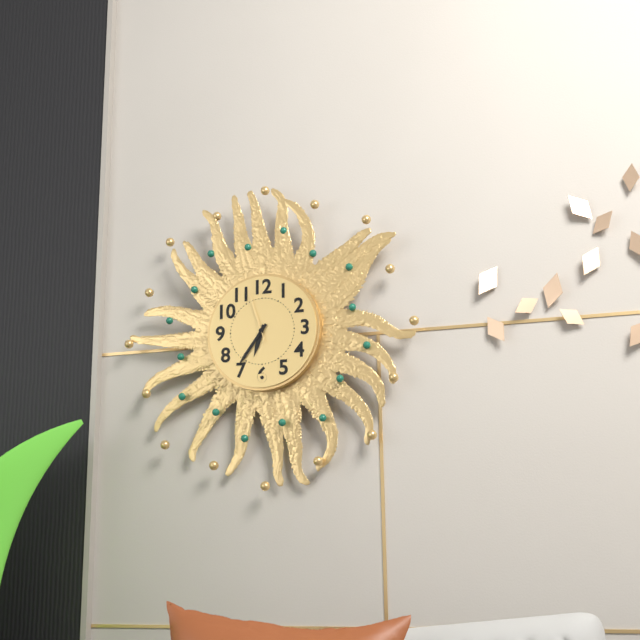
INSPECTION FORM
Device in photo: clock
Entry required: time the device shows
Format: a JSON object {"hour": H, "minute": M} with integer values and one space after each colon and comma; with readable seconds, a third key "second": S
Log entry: {"hour": 6, "minute": 36, "second": 57}
